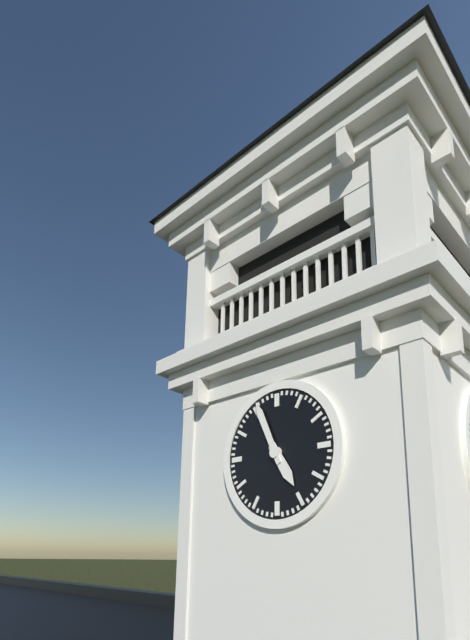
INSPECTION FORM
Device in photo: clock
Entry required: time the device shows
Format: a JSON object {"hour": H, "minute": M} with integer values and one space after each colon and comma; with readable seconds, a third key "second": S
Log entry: {"hour": 4, "minute": 56}
